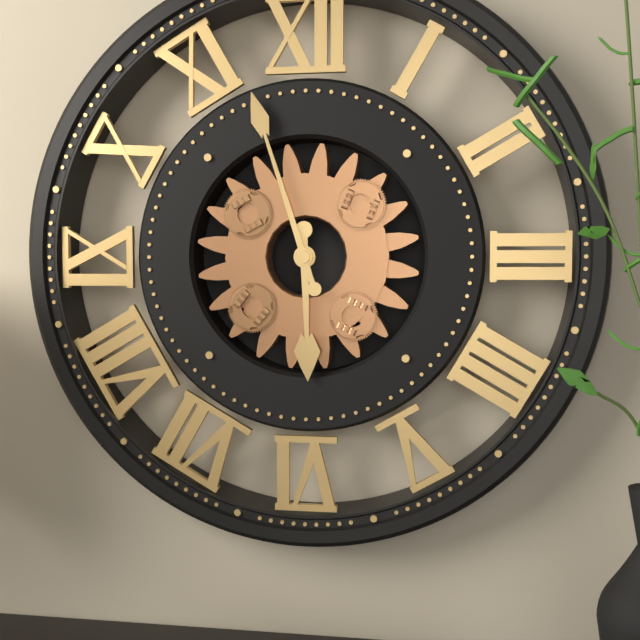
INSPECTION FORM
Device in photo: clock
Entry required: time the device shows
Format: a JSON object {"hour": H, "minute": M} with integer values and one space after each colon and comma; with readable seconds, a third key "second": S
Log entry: {"hour": 5, "minute": 57}
